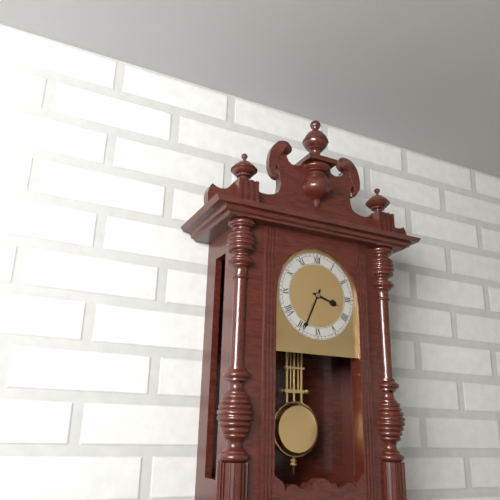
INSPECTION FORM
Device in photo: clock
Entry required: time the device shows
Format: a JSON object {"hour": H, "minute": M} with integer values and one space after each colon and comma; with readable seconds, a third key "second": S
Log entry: {"hour": 3, "minute": 34}
